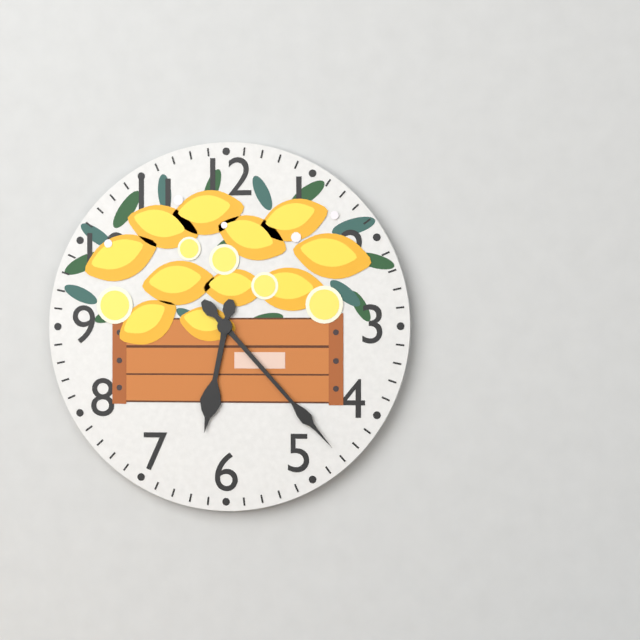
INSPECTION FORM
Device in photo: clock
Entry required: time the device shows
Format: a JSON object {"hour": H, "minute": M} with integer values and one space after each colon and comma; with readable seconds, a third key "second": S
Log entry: {"hour": 6, "minute": 23}
